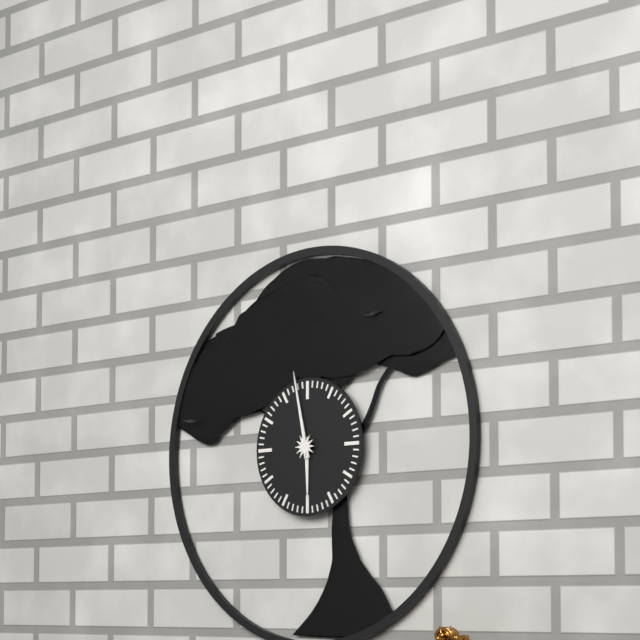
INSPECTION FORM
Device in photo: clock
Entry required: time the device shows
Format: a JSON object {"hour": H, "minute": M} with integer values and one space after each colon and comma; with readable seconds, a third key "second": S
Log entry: {"hour": 5, "minute": 58}
